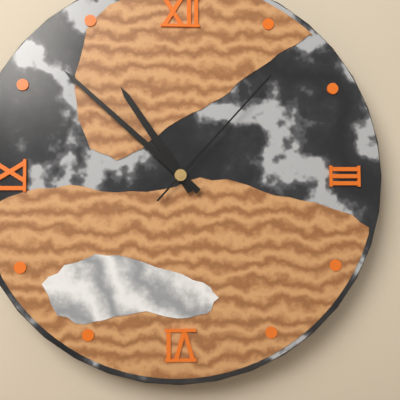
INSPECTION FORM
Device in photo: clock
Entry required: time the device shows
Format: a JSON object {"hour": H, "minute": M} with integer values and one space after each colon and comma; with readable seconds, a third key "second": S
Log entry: {"hour": 10, "minute": 52, "second": 7}
